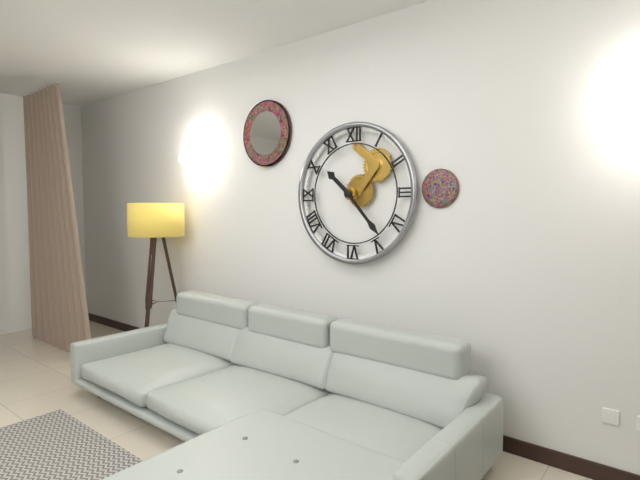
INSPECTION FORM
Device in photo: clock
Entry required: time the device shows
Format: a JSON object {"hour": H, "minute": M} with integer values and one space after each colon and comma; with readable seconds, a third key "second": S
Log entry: {"hour": 10, "minute": 23}
